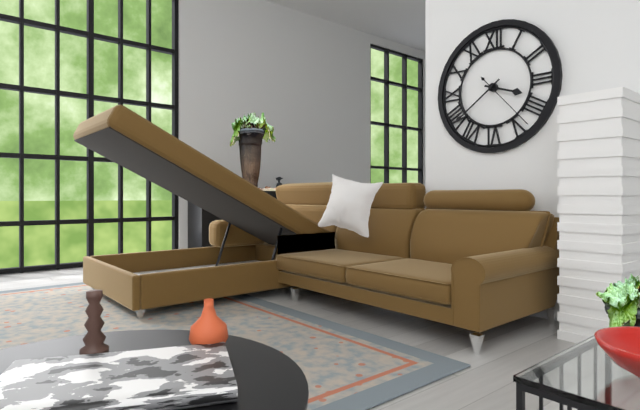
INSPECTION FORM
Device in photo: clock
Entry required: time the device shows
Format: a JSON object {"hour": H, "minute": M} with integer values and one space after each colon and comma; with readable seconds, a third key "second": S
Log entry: {"hour": 3, "minute": 39, "second": 23}
